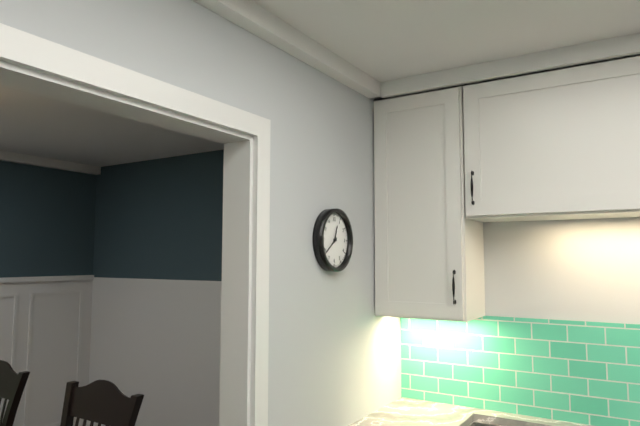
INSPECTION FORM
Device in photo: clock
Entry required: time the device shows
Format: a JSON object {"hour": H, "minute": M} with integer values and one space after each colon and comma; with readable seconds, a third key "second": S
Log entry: {"hour": 12, "minute": 39}
